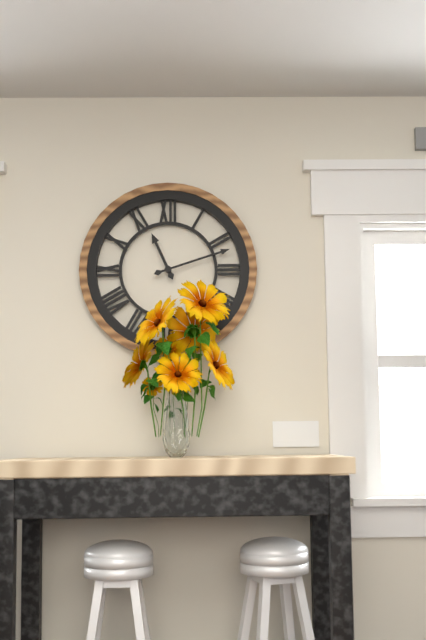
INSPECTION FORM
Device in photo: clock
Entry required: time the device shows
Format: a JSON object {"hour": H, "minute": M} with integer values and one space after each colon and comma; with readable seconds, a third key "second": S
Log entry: {"hour": 11, "minute": 12}
